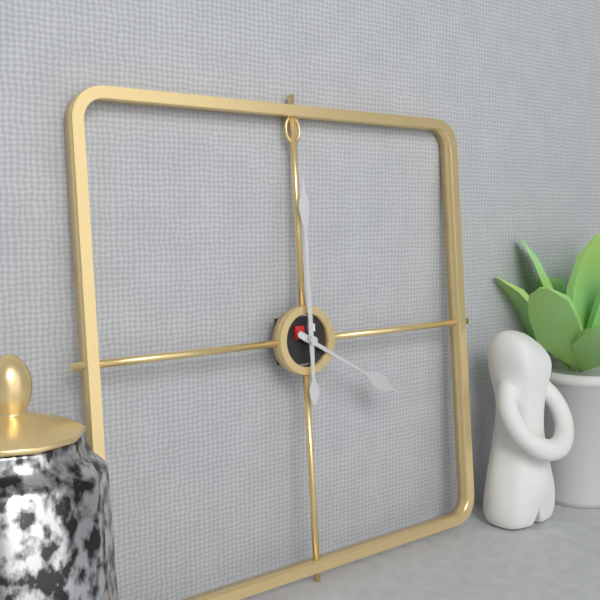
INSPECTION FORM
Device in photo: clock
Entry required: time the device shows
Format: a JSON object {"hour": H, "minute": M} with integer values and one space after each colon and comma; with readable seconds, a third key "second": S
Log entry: {"hour": 4, "minute": 0}
